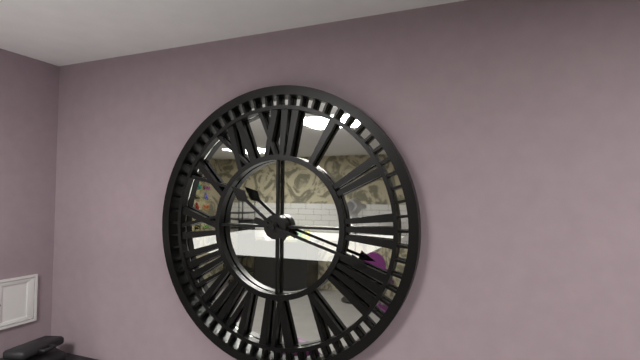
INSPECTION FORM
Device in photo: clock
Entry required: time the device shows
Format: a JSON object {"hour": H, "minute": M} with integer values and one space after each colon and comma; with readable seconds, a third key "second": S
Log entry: {"hour": 10, "minute": 18}
